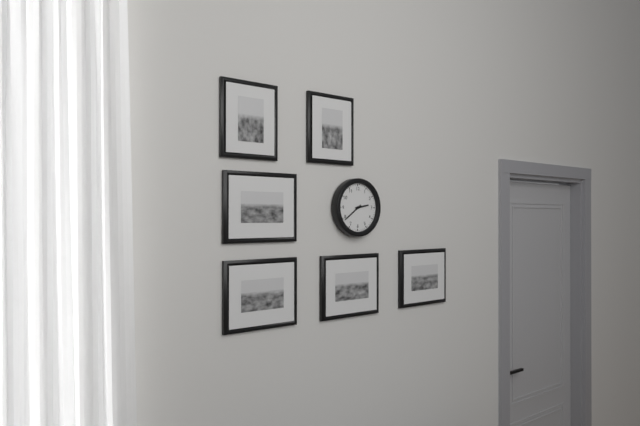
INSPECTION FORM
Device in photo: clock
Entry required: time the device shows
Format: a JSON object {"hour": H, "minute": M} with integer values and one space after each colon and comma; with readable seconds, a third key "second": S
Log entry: {"hour": 2, "minute": 39}
